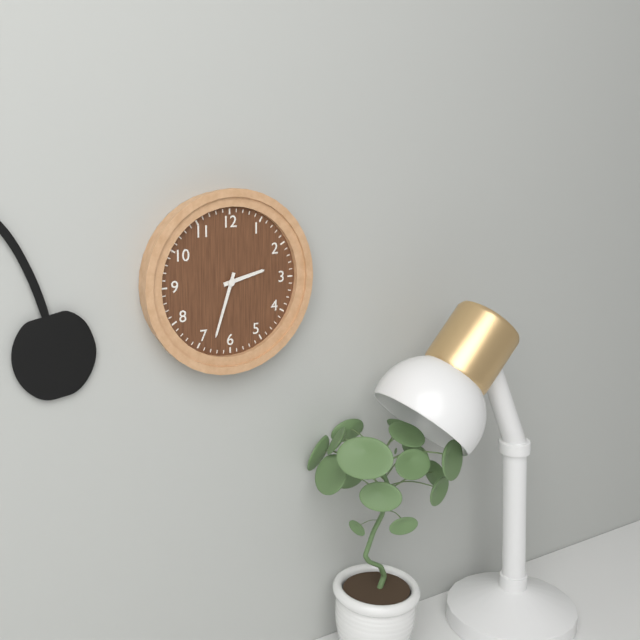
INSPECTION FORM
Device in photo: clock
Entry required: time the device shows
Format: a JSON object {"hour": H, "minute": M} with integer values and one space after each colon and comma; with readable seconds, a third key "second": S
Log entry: {"hour": 2, "minute": 33}
